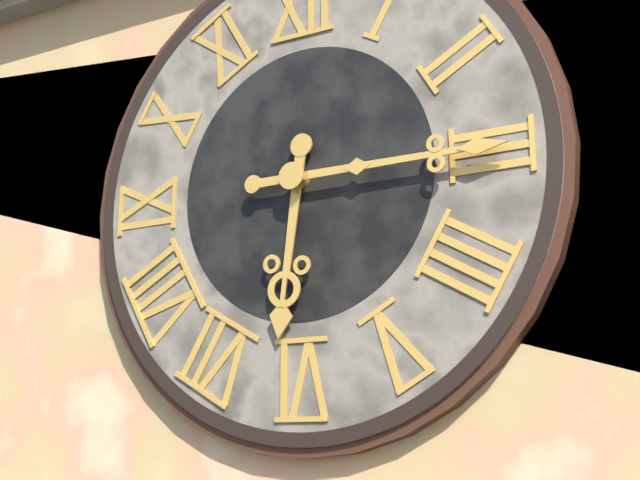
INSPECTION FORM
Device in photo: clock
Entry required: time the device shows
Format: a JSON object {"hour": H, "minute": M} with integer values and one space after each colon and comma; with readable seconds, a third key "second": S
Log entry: {"hour": 6, "minute": 15}
